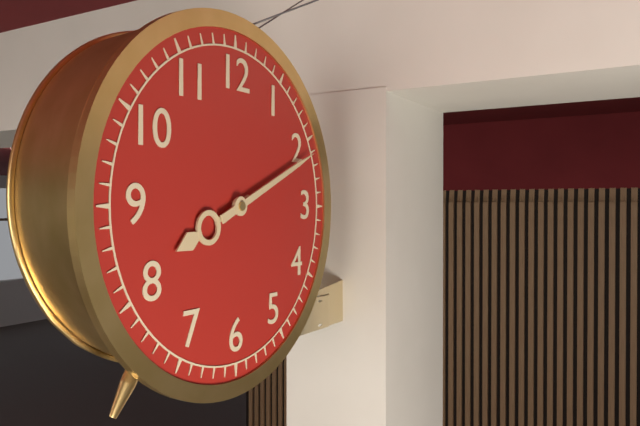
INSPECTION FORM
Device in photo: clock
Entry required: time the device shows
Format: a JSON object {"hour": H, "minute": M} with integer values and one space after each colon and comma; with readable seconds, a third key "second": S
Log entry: {"hour": 8, "minute": 11}
